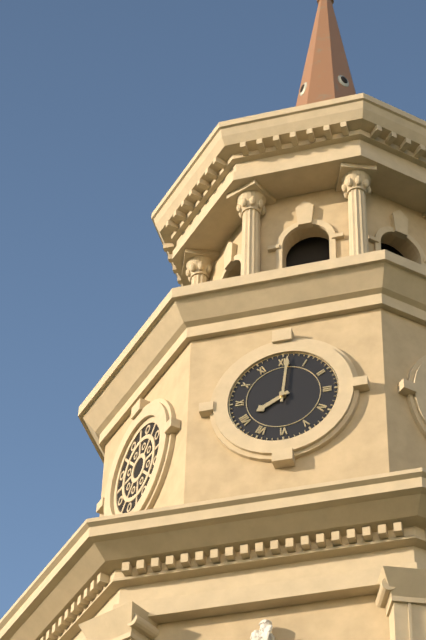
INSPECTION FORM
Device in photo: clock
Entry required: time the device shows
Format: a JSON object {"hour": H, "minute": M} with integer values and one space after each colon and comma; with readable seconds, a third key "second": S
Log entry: {"hour": 8, "minute": 1}
